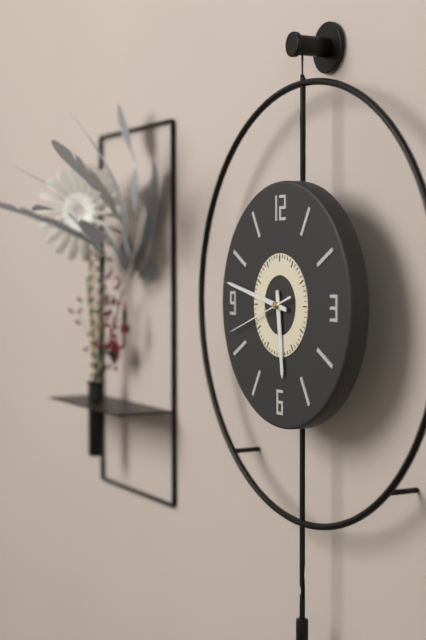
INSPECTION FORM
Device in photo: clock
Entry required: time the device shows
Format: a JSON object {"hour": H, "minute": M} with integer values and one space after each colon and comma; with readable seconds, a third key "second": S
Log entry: {"hour": 5, "minute": 47, "second": 42}
